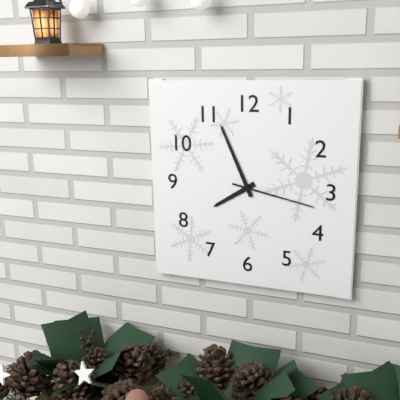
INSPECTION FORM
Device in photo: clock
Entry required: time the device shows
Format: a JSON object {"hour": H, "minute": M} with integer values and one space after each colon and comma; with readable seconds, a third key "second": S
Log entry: {"hour": 7, "minute": 56, "second": 17}
